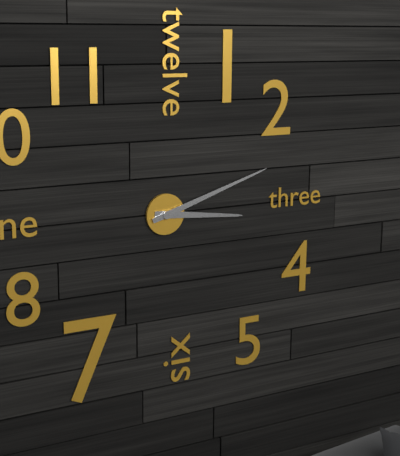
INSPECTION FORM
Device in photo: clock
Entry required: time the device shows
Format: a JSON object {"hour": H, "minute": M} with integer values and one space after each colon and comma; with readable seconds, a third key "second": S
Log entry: {"hour": 3, "minute": 12}
